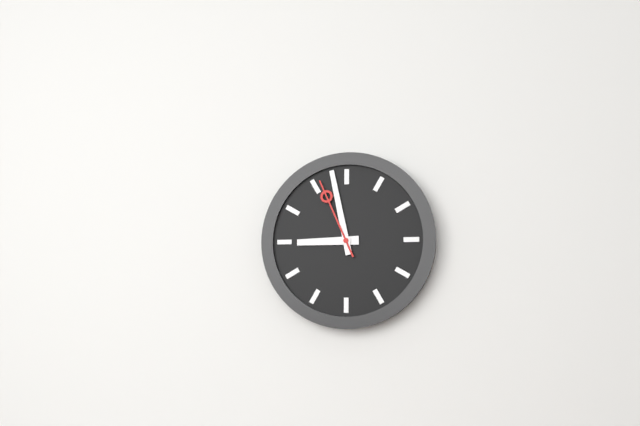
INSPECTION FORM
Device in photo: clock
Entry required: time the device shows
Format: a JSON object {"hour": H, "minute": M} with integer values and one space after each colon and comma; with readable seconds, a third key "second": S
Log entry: {"hour": 8, "minute": 58, "second": 56}
